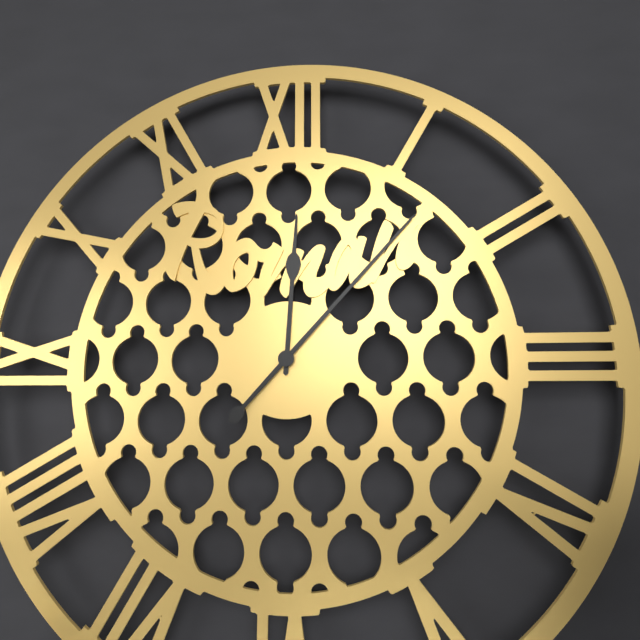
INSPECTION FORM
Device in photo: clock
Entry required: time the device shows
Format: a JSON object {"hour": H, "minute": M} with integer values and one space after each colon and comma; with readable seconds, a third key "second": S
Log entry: {"hour": 12, "minute": 7}
